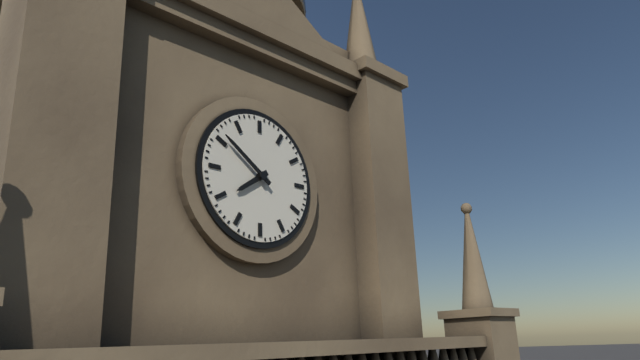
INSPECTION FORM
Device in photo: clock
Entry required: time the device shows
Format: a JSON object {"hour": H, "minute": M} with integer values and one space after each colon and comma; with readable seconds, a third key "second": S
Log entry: {"hour": 7, "minute": 51}
